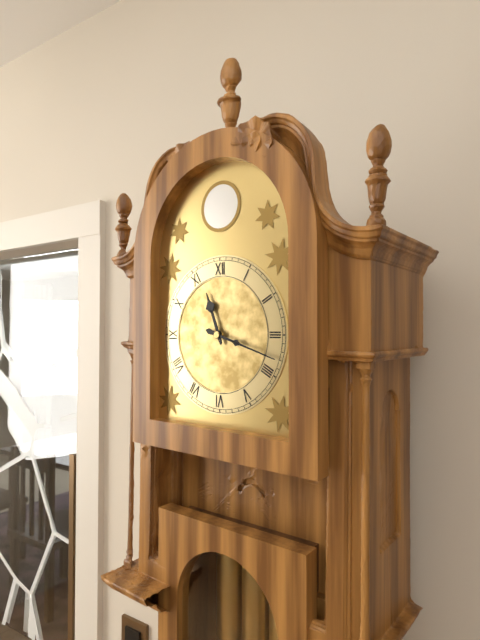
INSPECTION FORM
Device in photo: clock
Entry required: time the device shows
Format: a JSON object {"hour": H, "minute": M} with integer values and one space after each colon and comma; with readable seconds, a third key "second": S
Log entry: {"hour": 11, "minute": 18}
